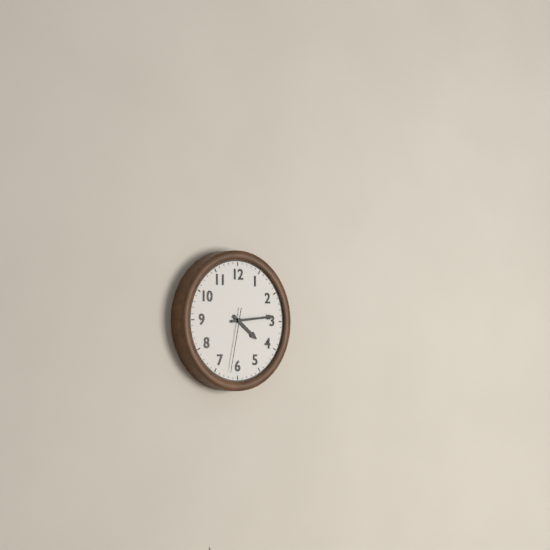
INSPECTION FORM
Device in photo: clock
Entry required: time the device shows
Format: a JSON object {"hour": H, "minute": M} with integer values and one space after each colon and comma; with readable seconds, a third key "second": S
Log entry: {"hour": 4, "minute": 14, "second": 32}
